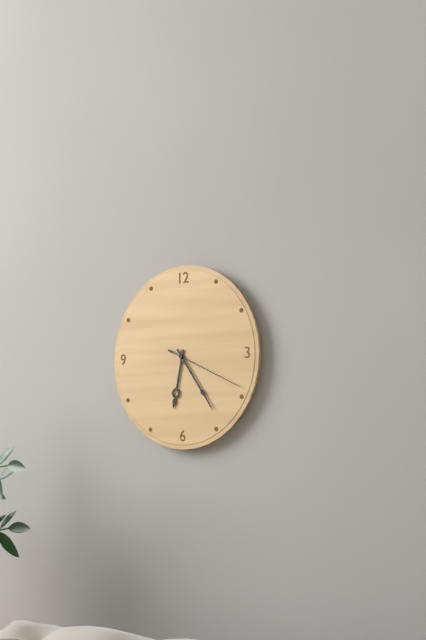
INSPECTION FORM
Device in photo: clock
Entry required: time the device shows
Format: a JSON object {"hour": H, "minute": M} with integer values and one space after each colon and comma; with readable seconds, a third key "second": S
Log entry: {"hour": 6, "minute": 24, "second": 19}
